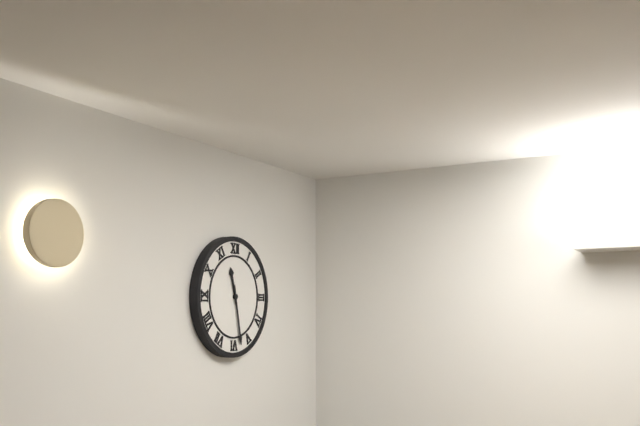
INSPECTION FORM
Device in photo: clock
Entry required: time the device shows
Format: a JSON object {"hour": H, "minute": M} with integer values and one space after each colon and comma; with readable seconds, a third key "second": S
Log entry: {"hour": 11, "minute": 28}
